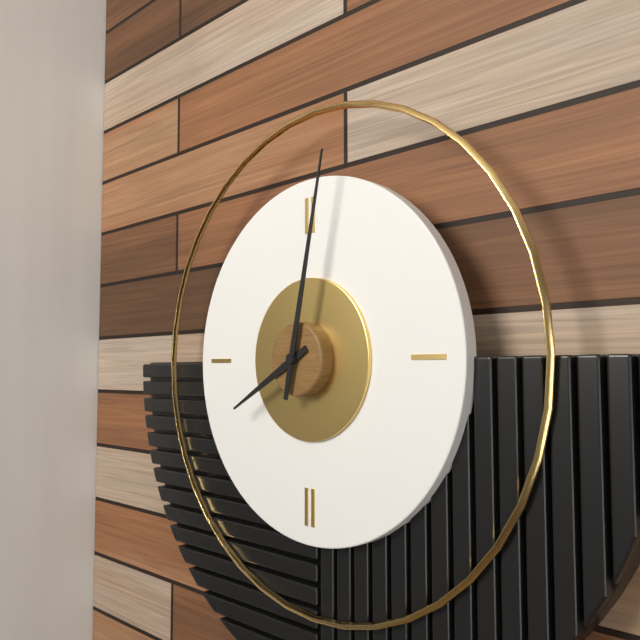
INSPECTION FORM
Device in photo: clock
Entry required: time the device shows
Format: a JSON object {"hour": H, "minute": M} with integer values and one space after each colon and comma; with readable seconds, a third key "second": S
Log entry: {"hour": 8, "minute": 2}
